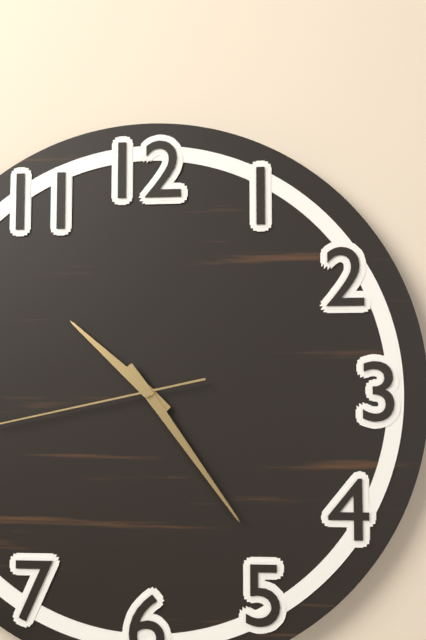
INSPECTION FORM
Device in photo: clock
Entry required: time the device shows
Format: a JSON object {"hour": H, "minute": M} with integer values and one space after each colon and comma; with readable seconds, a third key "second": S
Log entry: {"hour": 10, "minute": 24}
